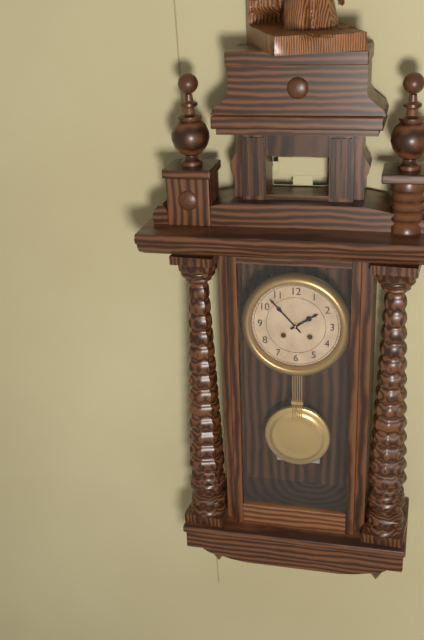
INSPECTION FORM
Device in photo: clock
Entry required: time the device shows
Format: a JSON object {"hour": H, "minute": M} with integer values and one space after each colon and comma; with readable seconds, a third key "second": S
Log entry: {"hour": 1, "minute": 53}
